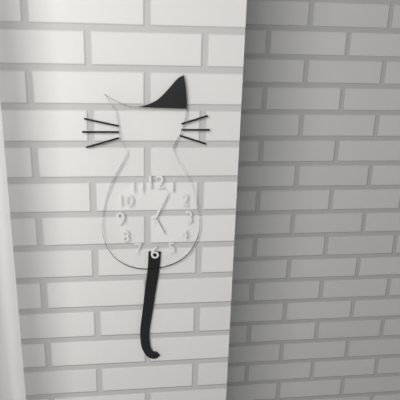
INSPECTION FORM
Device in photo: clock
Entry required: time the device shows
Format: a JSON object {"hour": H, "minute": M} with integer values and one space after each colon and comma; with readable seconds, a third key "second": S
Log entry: {"hour": 5, "minute": 4}
